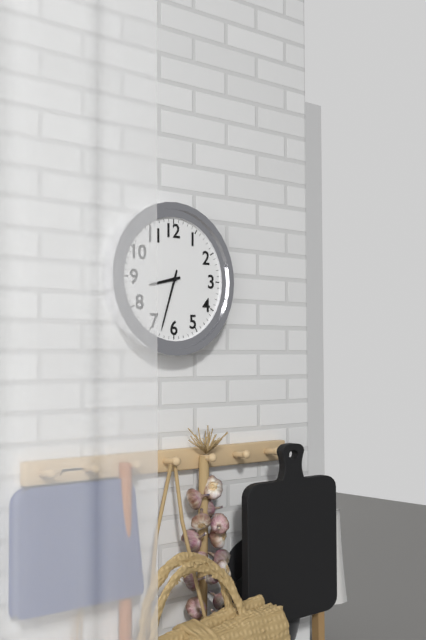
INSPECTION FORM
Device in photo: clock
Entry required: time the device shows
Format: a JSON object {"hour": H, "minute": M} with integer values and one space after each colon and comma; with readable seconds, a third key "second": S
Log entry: {"hour": 8, "minute": 33}
